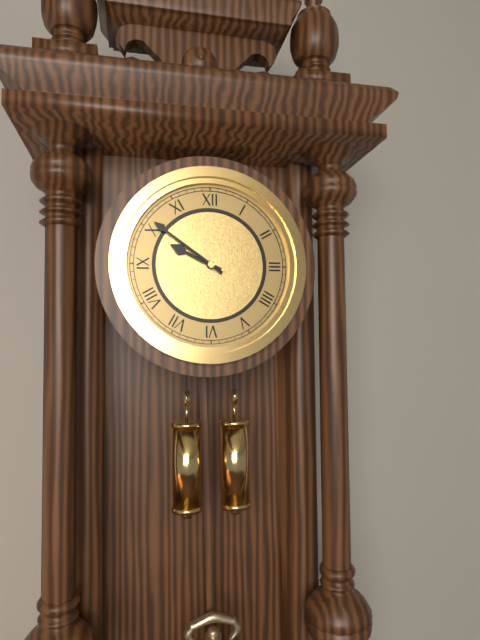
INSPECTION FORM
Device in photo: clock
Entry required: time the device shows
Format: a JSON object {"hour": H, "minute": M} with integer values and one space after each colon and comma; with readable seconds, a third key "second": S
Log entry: {"hour": 9, "minute": 51}
